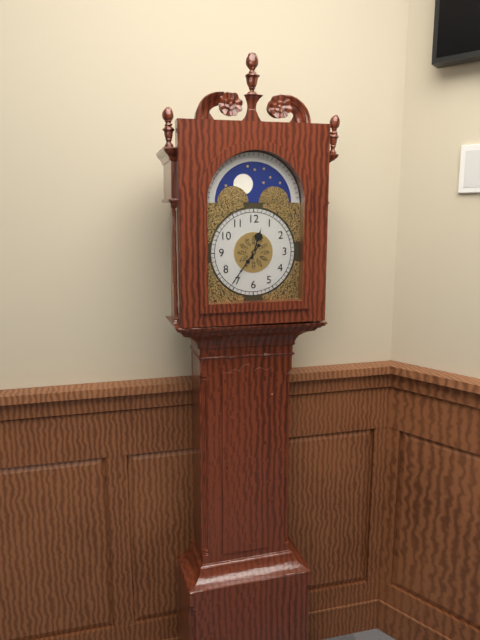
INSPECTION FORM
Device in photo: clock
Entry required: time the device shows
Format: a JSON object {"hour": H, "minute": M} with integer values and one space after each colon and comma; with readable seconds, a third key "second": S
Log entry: {"hour": 12, "minute": 36}
